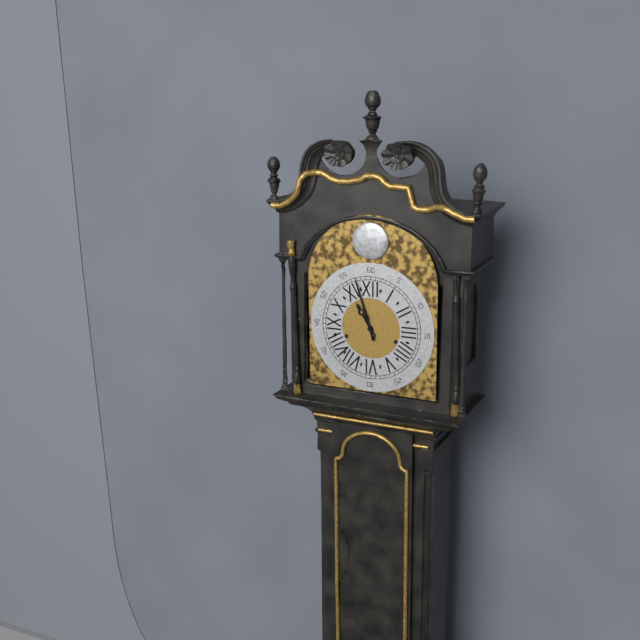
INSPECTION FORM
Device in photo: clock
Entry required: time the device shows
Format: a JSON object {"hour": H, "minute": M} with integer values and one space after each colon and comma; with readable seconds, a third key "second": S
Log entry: {"hour": 10, "minute": 57}
